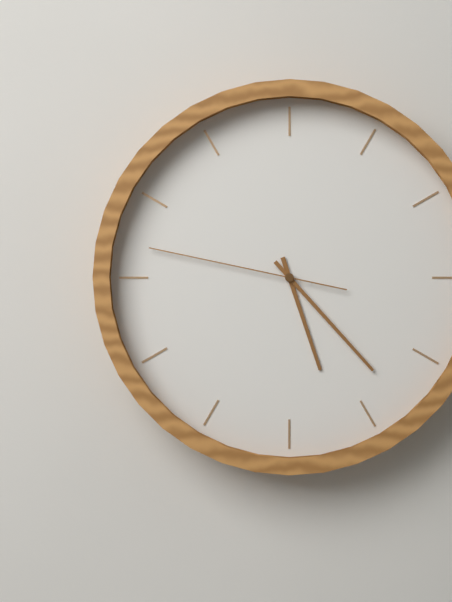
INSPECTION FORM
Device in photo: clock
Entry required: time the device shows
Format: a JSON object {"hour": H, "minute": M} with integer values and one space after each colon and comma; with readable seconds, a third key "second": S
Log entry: {"hour": 5, "minute": 23, "second": 47}
